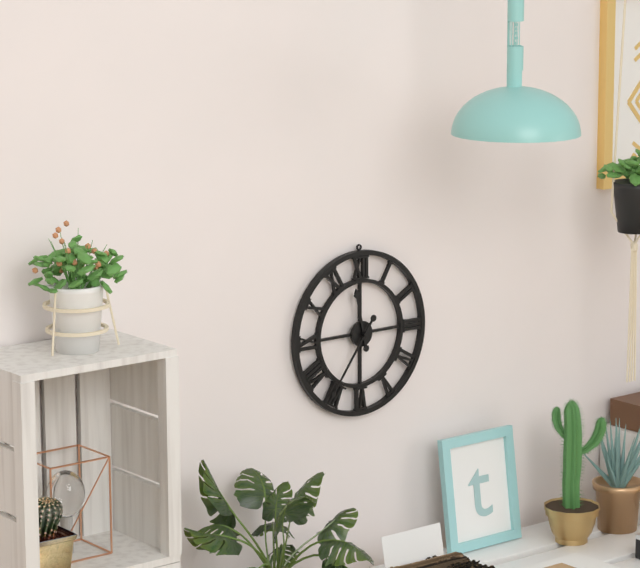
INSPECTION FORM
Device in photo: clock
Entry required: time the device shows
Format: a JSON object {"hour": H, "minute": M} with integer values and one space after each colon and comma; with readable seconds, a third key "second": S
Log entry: {"hour": 11, "minute": 36}
